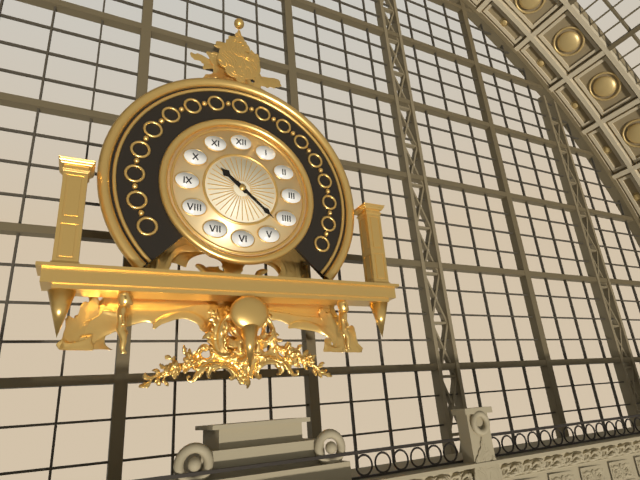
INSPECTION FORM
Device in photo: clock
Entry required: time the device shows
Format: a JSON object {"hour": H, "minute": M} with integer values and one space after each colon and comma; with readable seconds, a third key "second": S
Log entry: {"hour": 10, "minute": 22}
